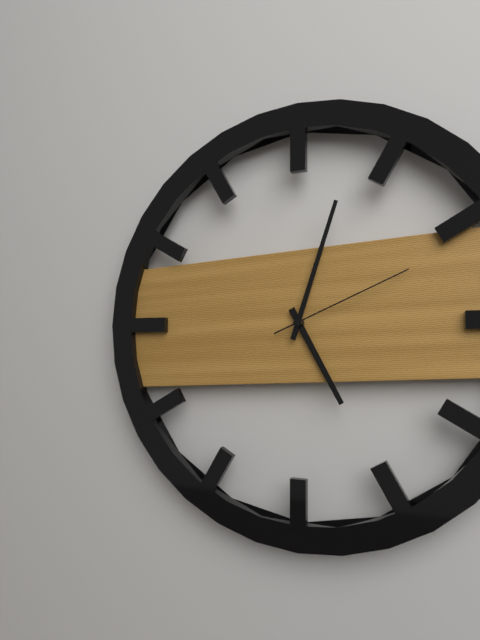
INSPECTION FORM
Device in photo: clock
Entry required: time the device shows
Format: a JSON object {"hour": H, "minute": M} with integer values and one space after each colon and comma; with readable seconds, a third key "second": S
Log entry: {"hour": 5, "minute": 3, "second": 11}
